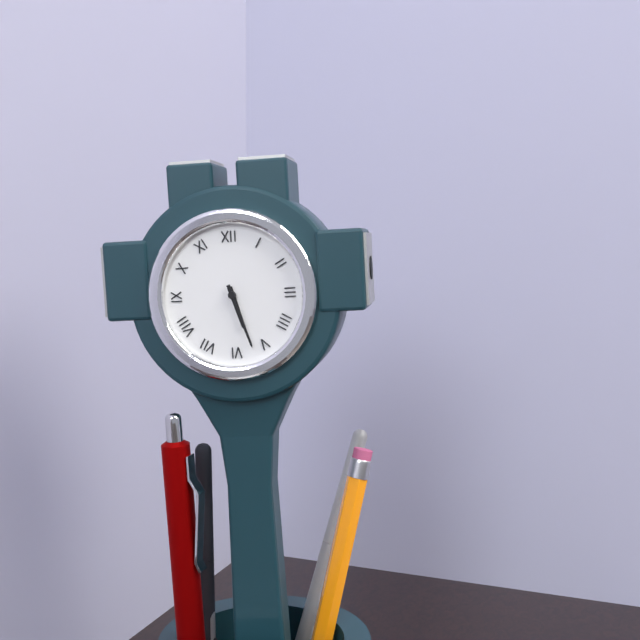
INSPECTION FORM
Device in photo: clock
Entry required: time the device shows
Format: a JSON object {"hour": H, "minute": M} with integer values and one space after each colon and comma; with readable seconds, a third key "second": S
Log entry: {"hour": 5, "minute": 27}
